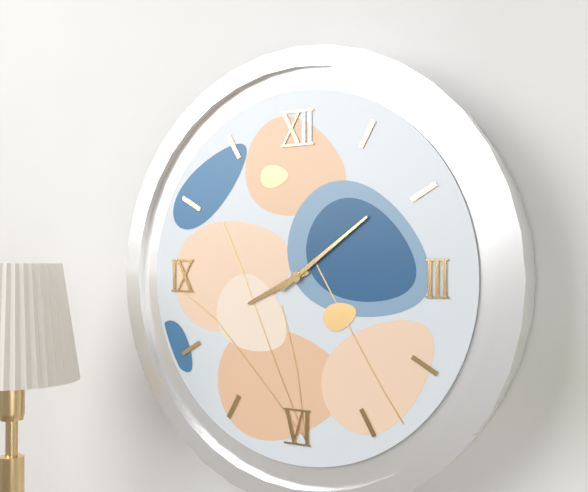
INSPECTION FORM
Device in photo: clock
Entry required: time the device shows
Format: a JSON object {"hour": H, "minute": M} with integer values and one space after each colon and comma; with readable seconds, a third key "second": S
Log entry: {"hour": 8, "minute": 9}
